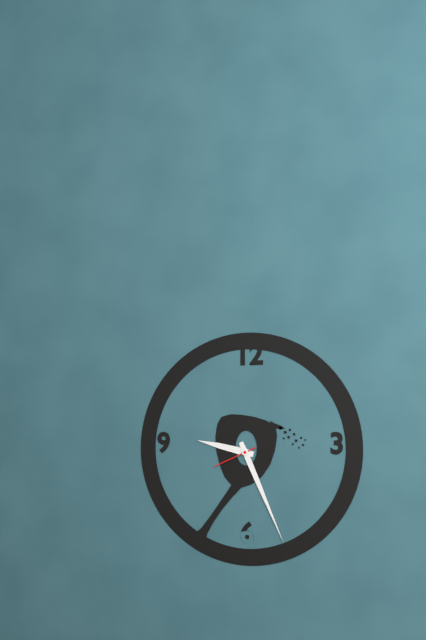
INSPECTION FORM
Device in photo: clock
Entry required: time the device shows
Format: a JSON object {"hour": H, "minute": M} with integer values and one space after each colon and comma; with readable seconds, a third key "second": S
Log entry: {"hour": 9, "minute": 26}
